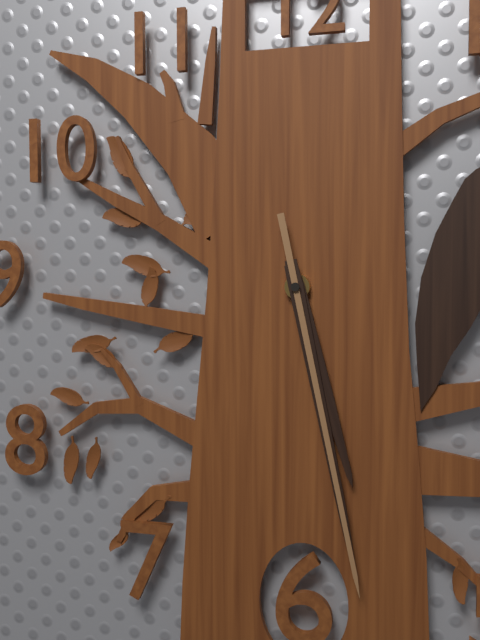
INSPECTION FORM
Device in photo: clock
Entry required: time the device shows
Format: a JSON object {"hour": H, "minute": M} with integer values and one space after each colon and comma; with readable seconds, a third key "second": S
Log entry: {"hour": 5, "minute": 28, "second": 28}
